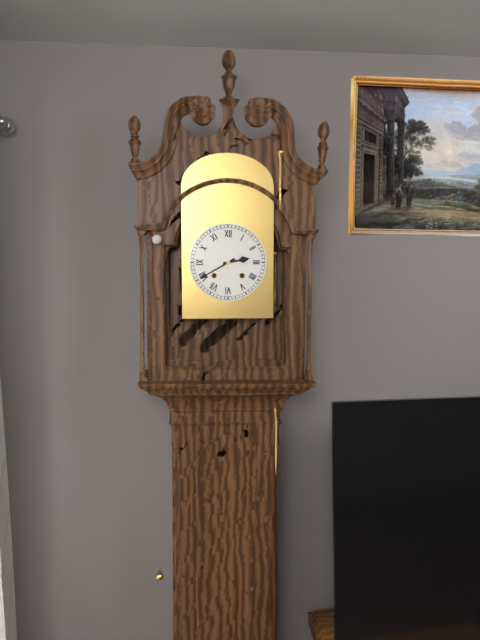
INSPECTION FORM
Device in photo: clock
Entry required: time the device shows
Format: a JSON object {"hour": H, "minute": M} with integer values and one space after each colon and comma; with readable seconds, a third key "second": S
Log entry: {"hour": 2, "minute": 40}
